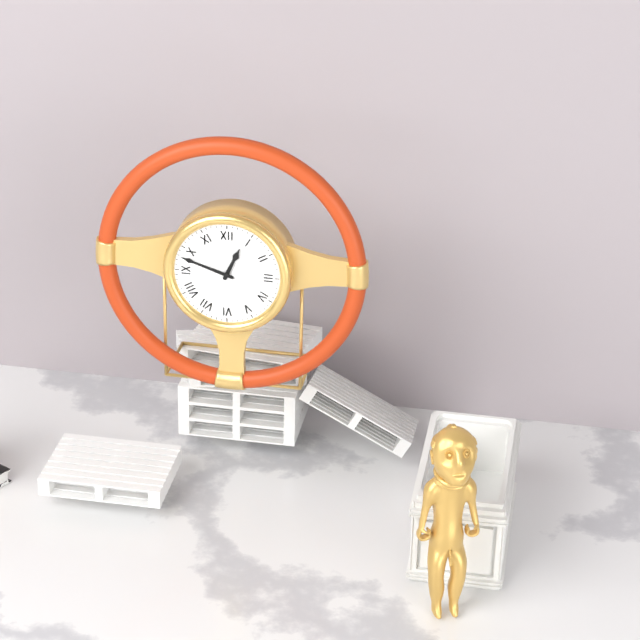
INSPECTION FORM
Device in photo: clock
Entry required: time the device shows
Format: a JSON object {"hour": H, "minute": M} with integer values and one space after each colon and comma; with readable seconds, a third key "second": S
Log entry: {"hour": 12, "minute": 48}
